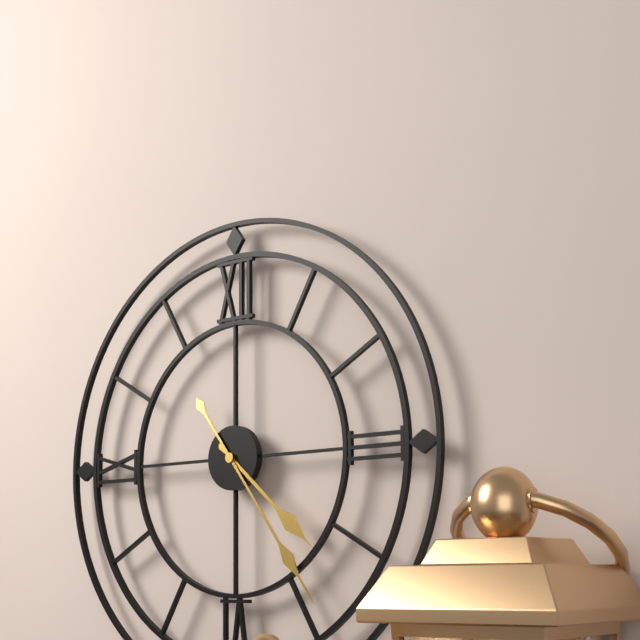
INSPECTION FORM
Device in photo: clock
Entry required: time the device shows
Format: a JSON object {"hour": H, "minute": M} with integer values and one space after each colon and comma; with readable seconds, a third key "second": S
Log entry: {"hour": 4, "minute": 24}
